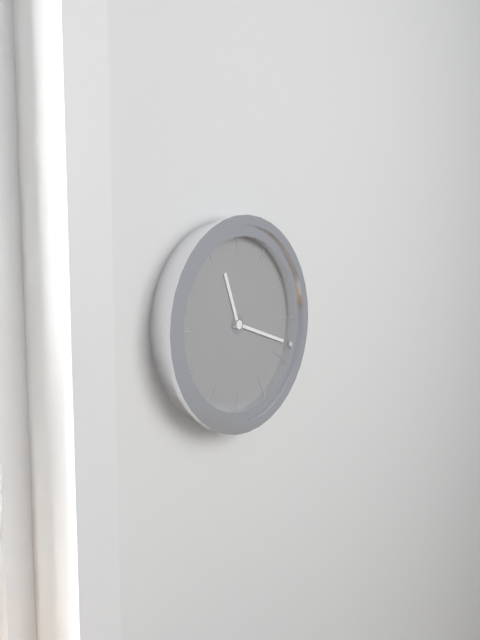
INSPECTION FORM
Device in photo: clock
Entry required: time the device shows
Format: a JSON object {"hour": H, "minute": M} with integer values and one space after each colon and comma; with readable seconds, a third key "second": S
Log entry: {"hour": 11, "minute": 18}
